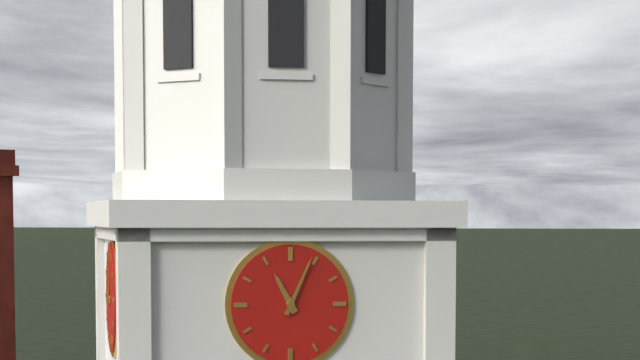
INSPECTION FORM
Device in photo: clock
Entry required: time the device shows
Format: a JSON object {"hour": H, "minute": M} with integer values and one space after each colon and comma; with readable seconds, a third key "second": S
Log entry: {"hour": 11, "minute": 4}
